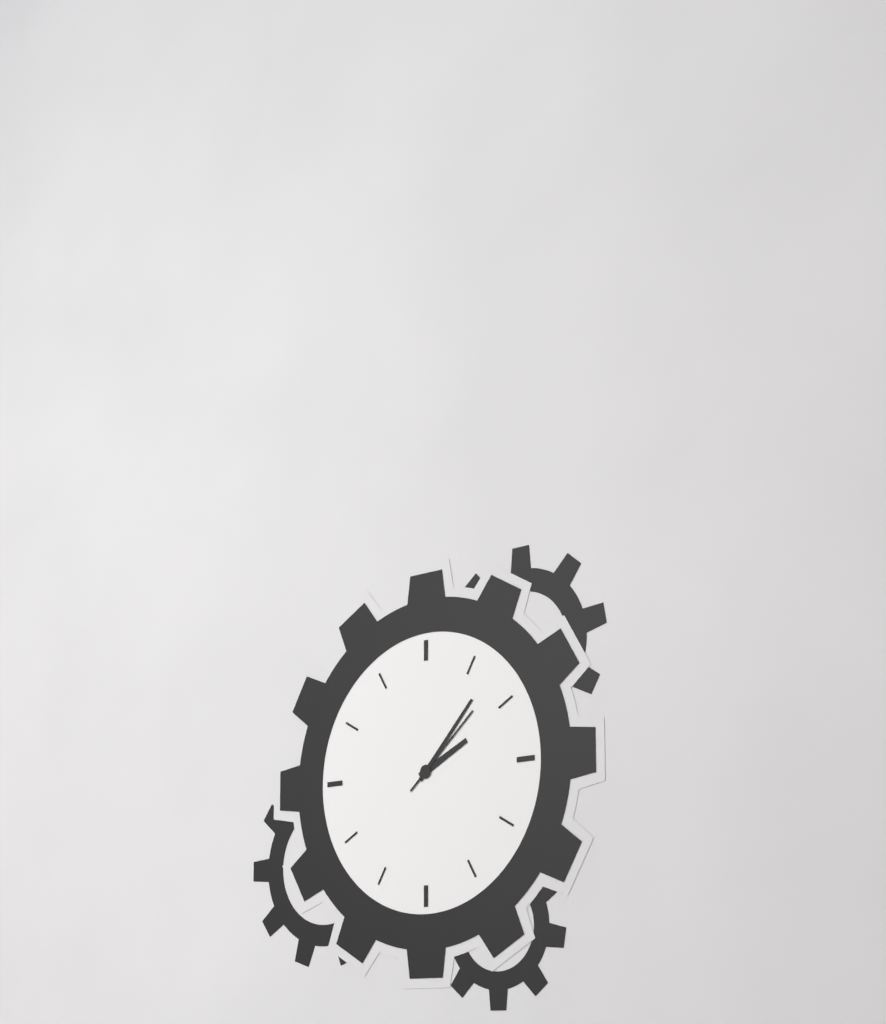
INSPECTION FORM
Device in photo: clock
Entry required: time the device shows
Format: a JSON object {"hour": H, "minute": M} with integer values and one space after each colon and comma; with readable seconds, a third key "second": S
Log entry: {"hour": 2, "minute": 7, "second": 8}
